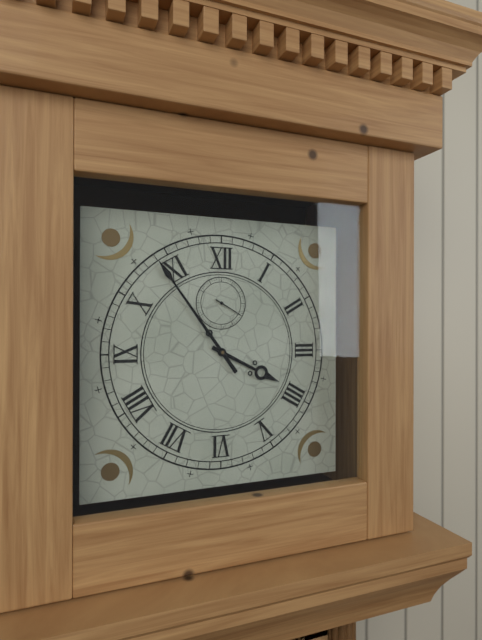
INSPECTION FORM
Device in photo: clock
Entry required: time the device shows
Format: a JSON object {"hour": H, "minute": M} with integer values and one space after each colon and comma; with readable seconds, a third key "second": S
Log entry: {"hour": 3, "minute": 54}
